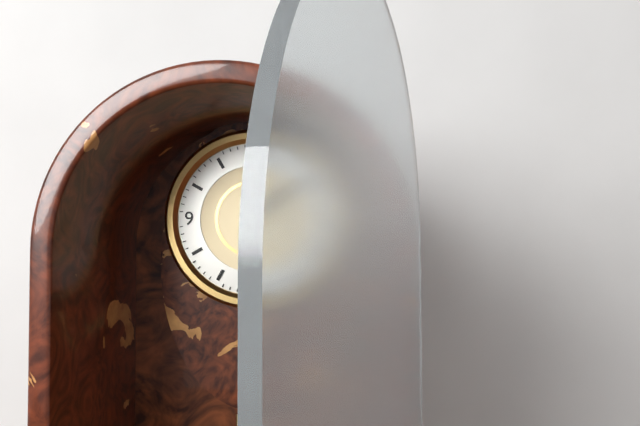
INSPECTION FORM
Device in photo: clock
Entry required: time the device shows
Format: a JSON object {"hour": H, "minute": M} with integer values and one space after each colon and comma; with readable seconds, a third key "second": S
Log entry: {"hour": 1, "minute": 8}
